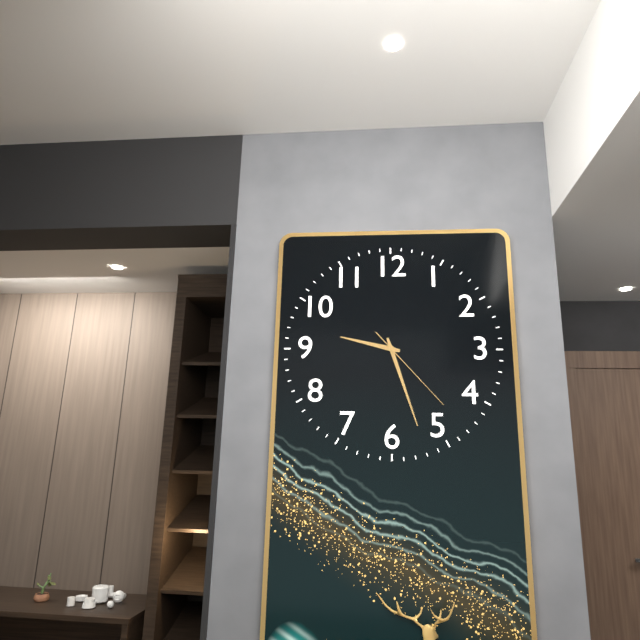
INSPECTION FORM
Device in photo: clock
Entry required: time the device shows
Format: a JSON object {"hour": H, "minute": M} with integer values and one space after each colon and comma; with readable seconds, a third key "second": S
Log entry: {"hour": 9, "minute": 27, "second": 23}
